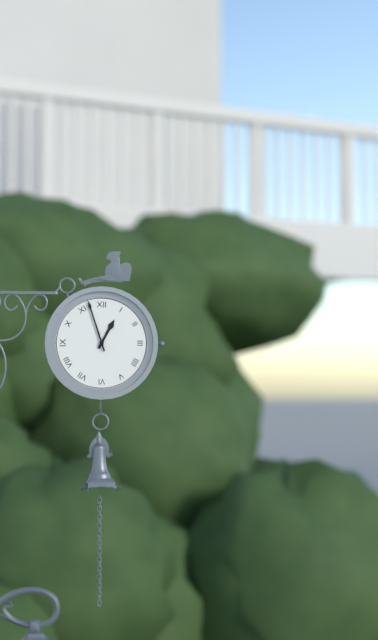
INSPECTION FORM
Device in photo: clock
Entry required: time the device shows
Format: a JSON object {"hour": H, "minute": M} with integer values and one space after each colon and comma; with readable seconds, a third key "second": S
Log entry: {"hour": 12, "minute": 57}
